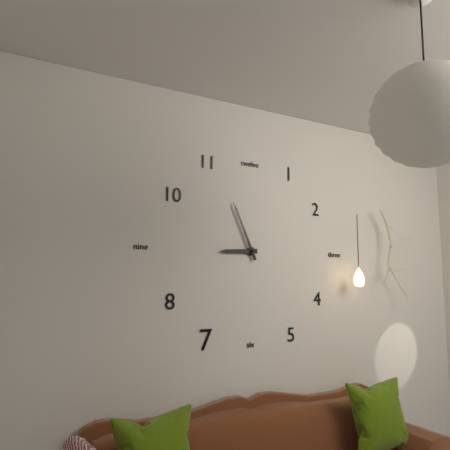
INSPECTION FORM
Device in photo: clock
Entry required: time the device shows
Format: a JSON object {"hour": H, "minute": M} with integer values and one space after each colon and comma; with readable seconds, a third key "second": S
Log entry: {"hour": 8, "minute": 56}
